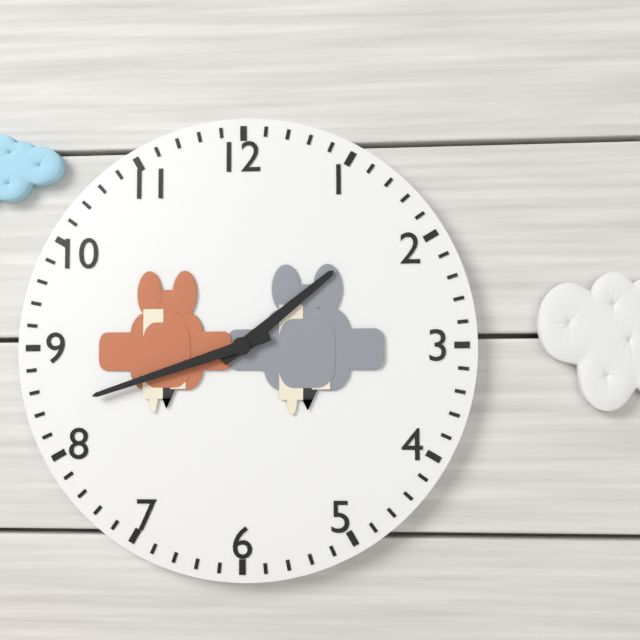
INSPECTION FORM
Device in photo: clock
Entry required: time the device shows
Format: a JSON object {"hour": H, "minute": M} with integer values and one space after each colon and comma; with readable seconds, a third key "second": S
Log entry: {"hour": 1, "minute": 42}
